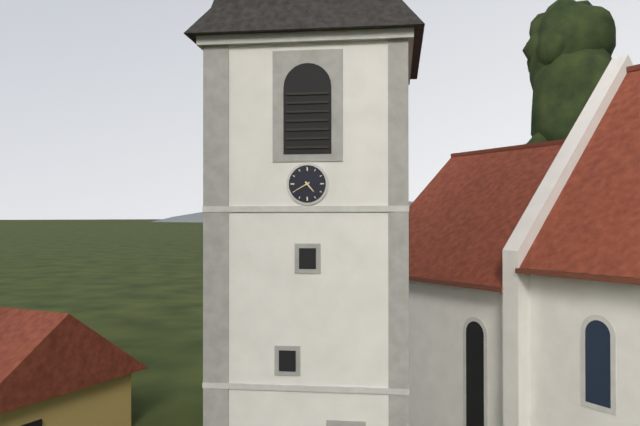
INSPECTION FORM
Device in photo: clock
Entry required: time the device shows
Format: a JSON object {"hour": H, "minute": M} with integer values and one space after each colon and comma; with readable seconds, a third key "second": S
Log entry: {"hour": 4, "minute": 40}
